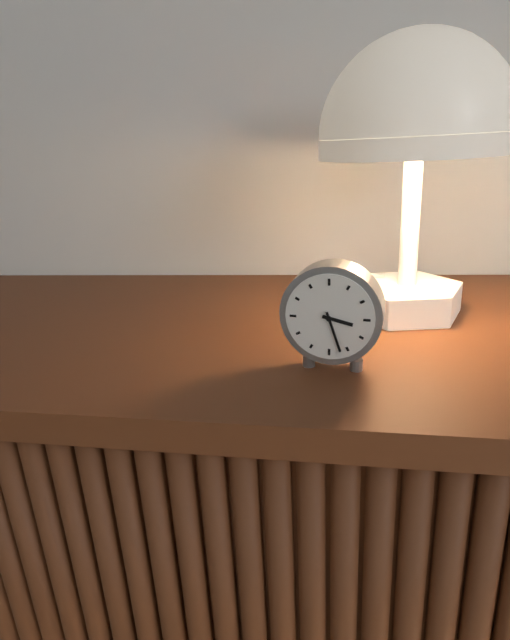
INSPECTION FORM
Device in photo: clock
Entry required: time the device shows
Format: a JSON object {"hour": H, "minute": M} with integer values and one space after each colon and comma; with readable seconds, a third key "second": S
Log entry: {"hour": 3, "minute": 27}
